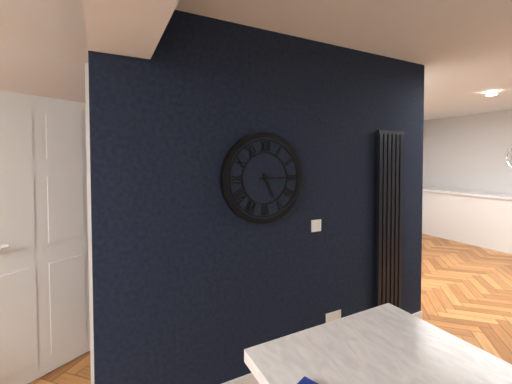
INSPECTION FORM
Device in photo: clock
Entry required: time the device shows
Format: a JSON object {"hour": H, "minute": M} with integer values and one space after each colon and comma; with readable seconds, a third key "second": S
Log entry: {"hour": 5, "minute": 15}
